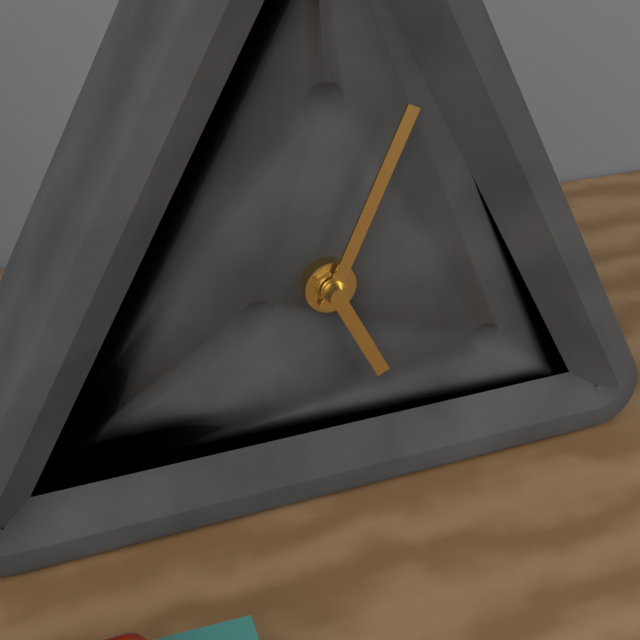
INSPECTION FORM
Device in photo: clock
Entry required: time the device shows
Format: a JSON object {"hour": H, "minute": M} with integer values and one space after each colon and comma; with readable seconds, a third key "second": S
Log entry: {"hour": 5, "minute": 4}
